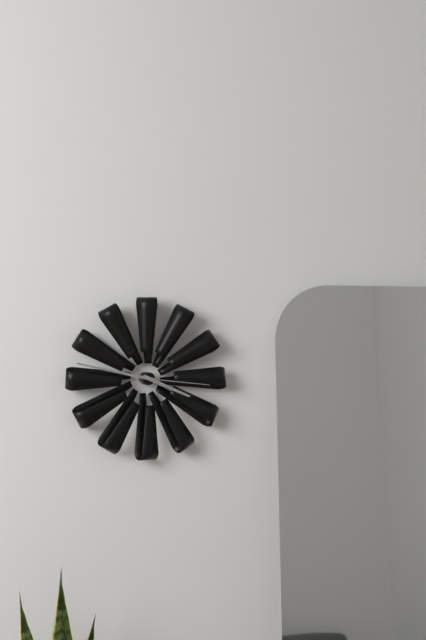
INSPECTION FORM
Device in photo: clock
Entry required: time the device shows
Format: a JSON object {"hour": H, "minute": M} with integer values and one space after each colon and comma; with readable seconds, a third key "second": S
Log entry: {"hour": 3, "minute": 47, "second": 16}
